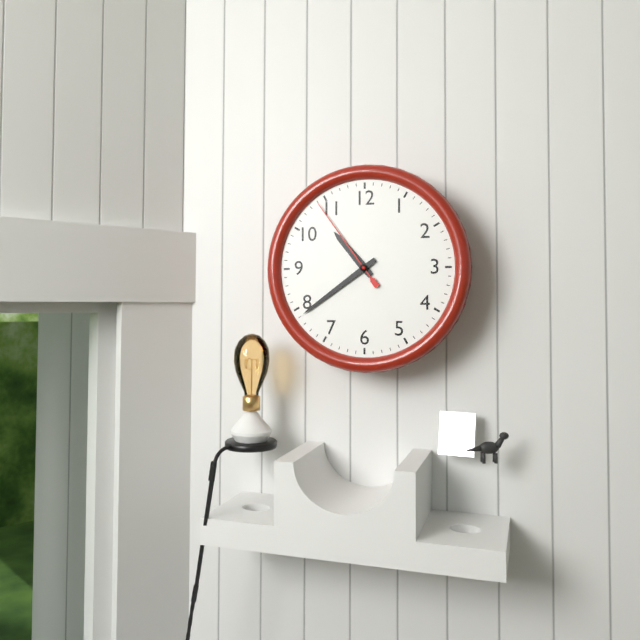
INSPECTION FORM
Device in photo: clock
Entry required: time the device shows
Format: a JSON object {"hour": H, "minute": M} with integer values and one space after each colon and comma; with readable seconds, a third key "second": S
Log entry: {"hour": 10, "minute": 39, "second": 54}
